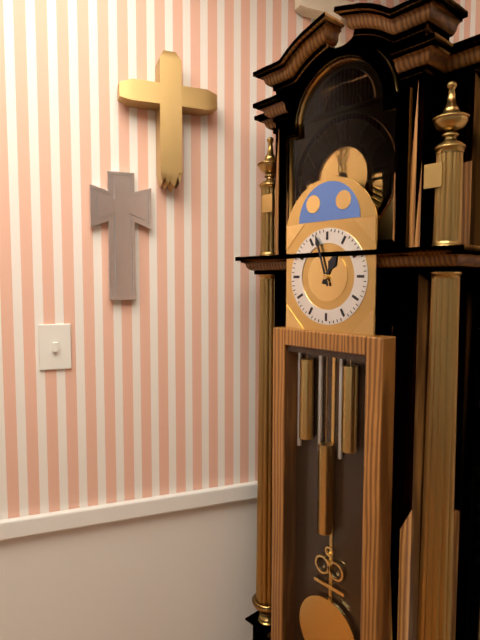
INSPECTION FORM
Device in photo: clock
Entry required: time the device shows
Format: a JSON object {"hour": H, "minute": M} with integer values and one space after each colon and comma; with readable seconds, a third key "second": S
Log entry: {"hour": 12, "minute": 57}
